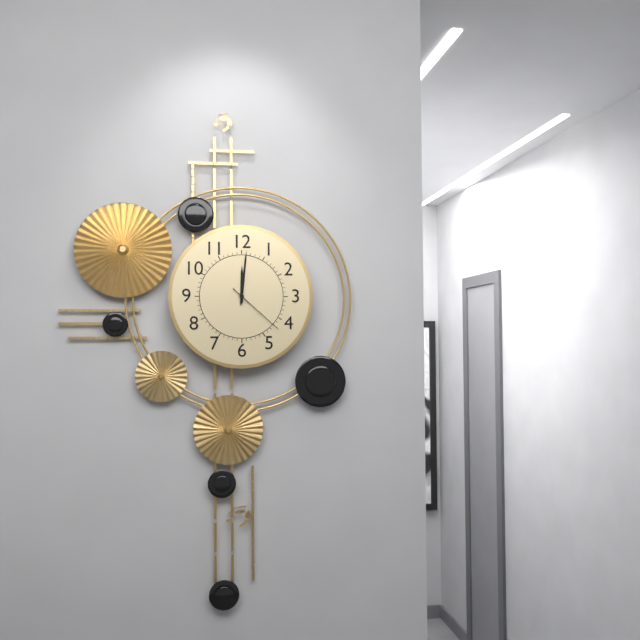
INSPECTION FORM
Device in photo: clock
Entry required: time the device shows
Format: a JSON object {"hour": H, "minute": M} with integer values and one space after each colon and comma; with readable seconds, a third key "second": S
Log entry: {"hour": 12, "minute": 1, "second": 22}
